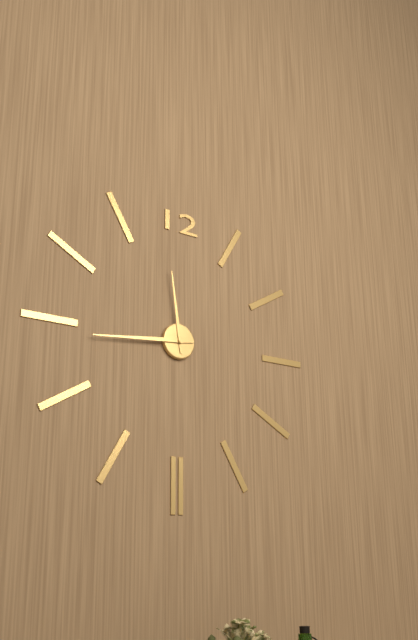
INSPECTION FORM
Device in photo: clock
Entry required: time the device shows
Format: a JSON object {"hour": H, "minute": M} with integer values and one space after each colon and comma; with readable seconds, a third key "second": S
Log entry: {"hour": 11, "minute": 44}
